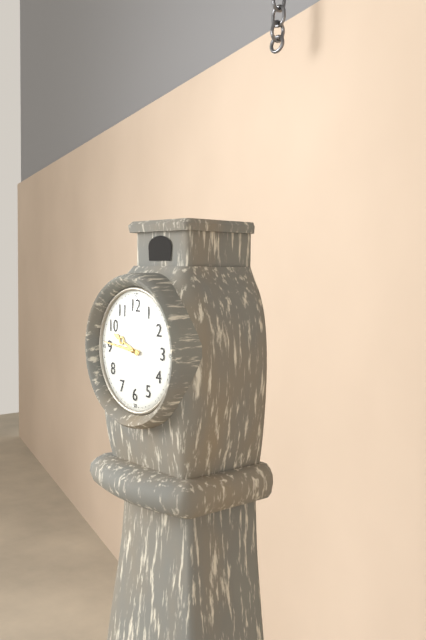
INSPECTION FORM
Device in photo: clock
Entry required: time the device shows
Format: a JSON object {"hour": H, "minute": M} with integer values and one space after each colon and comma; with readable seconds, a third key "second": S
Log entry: {"hour": 9, "minute": 46}
